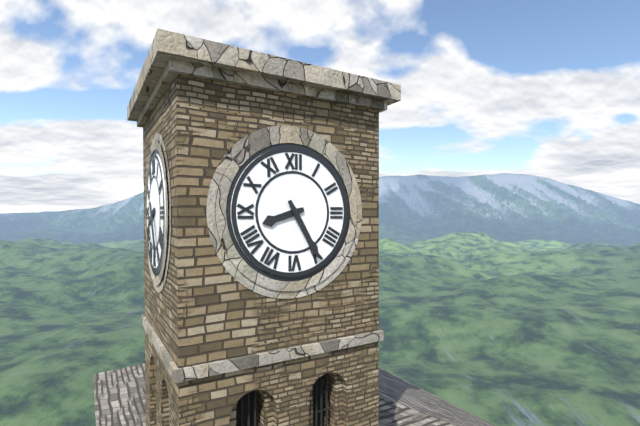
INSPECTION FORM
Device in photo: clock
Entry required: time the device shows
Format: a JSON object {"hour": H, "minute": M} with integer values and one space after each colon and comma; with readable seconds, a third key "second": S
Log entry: {"hour": 8, "minute": 25}
